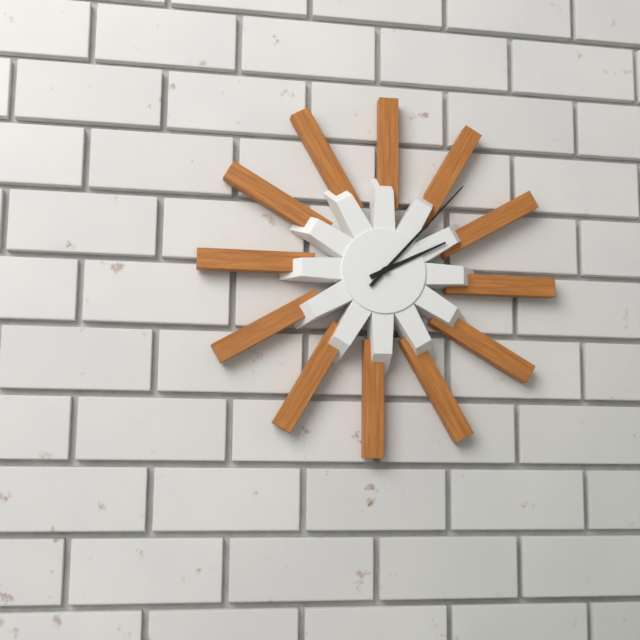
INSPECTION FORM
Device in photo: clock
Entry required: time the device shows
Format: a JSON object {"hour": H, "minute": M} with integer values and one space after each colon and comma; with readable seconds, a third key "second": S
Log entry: {"hour": 2, "minute": 7}
